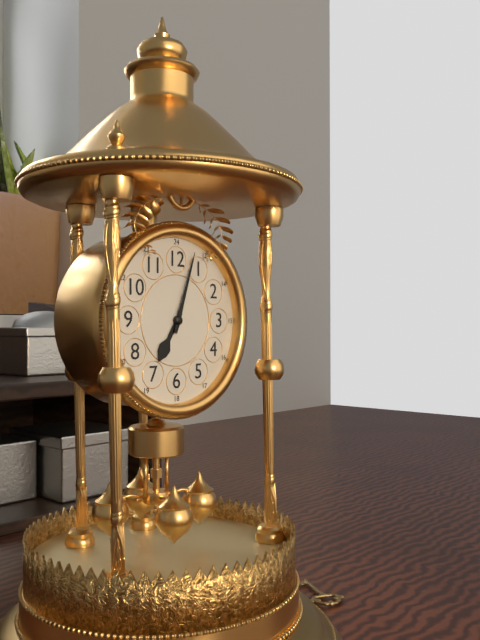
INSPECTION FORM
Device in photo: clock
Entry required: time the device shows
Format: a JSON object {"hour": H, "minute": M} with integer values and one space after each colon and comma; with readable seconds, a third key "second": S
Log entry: {"hour": 7, "minute": 3}
